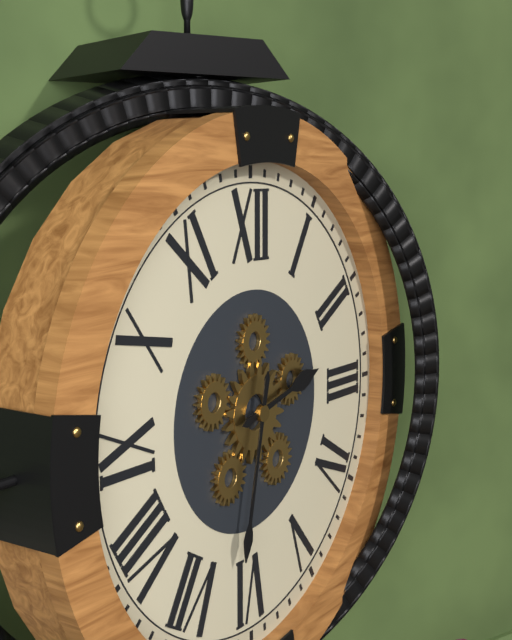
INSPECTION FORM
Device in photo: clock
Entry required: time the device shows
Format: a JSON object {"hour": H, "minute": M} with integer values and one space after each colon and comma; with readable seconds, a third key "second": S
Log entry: {"hour": 2, "minute": 32}
